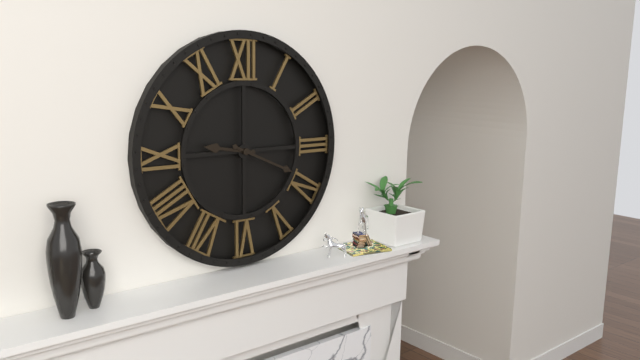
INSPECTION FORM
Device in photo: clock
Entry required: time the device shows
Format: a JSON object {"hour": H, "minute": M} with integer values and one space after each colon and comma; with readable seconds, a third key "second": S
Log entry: {"hour": 9, "minute": 19}
